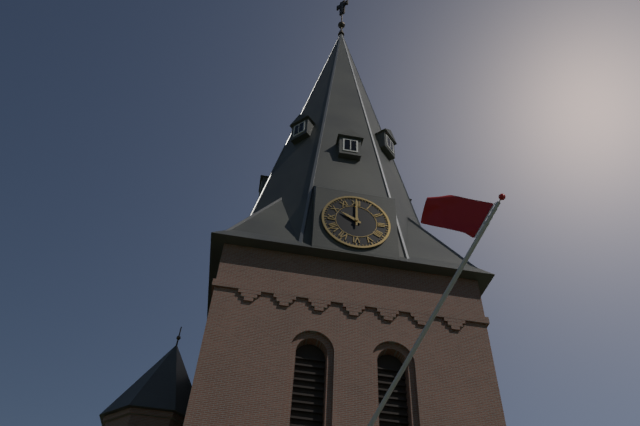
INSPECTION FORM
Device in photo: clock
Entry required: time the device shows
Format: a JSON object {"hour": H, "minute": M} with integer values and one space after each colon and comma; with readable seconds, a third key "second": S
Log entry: {"hour": 10, "minute": 0}
